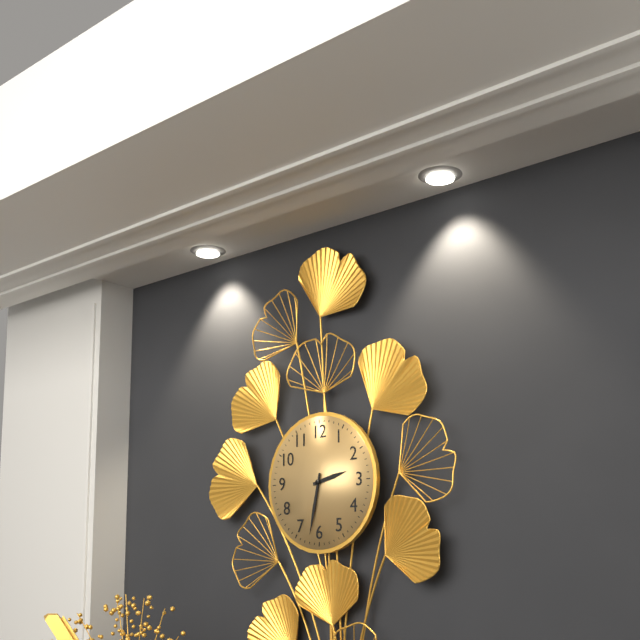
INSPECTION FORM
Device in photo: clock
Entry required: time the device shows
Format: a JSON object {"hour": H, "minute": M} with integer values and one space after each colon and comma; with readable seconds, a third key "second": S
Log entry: {"hour": 2, "minute": 32}
